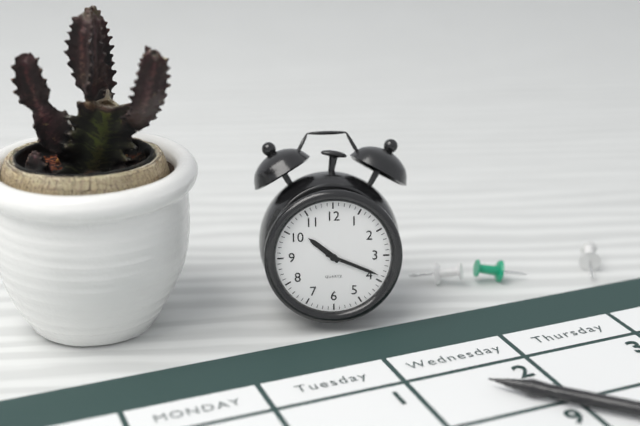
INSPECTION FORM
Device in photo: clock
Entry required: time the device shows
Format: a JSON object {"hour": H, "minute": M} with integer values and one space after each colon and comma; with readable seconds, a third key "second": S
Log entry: {"hour": 10, "minute": 19}
